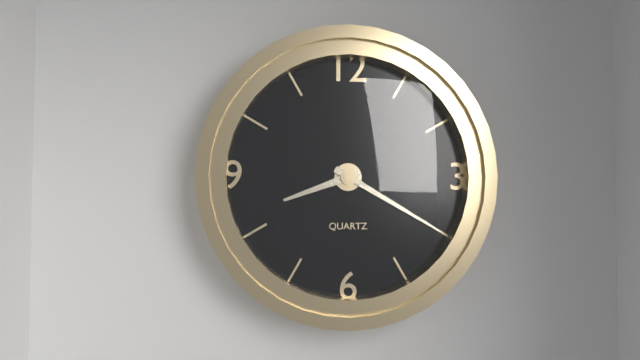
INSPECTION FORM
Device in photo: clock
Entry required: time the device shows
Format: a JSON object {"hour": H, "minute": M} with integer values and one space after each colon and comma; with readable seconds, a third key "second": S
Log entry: {"hour": 8, "minute": 20}
